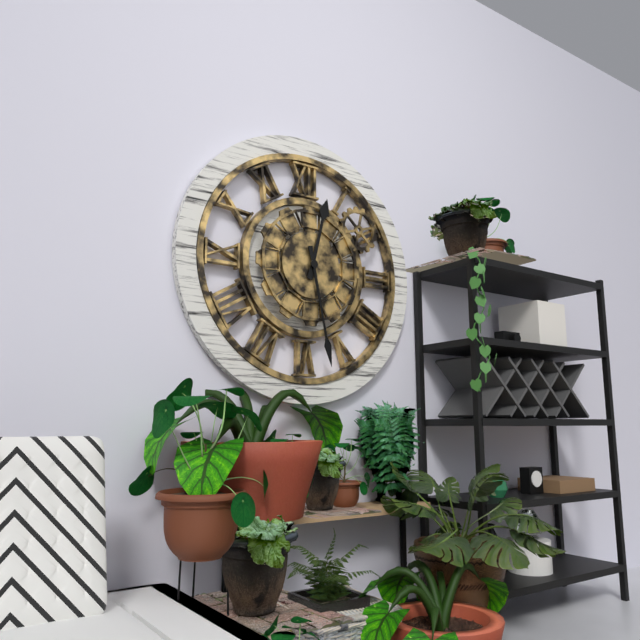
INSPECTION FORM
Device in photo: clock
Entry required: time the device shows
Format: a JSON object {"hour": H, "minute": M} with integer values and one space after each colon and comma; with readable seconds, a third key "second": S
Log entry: {"hour": 12, "minute": 28}
